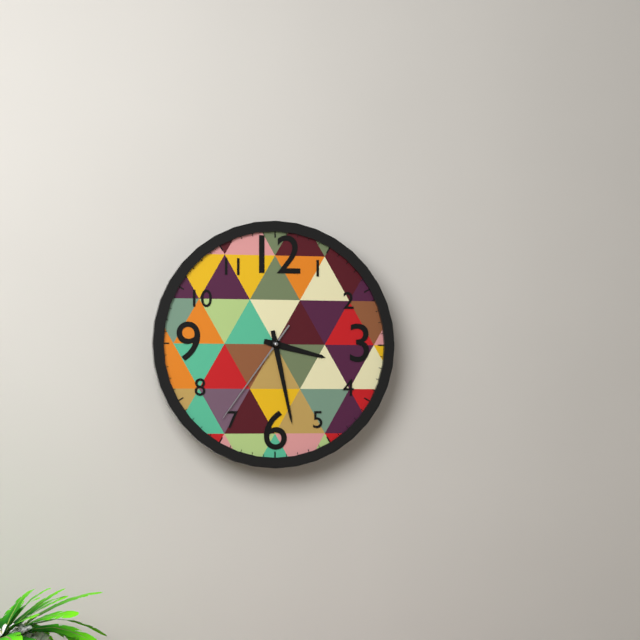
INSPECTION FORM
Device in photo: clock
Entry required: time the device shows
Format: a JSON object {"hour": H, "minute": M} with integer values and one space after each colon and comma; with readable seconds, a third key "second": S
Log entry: {"hour": 3, "minute": 28, "second": 36}
